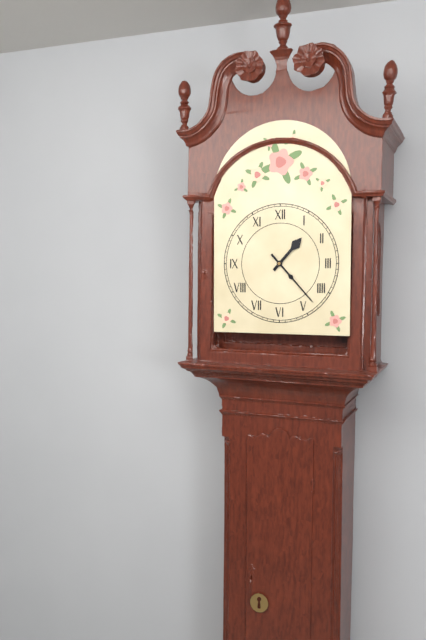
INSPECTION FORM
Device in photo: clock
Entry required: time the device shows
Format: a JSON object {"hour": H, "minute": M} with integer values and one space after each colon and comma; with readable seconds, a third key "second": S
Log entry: {"hour": 1, "minute": 23}
